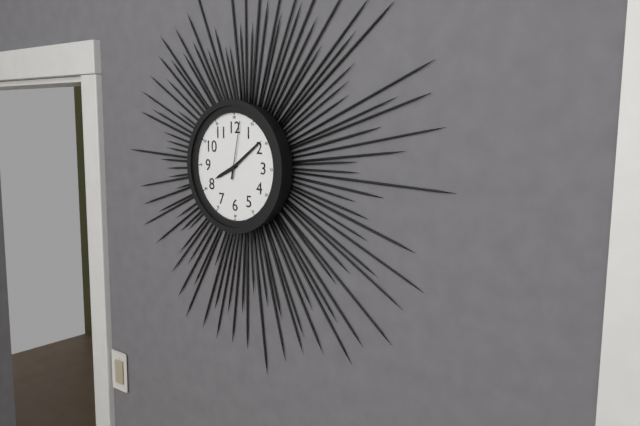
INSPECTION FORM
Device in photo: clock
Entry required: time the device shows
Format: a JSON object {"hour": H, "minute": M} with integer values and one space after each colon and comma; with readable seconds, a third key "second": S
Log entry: {"hour": 8, "minute": 9, "second": 2}
